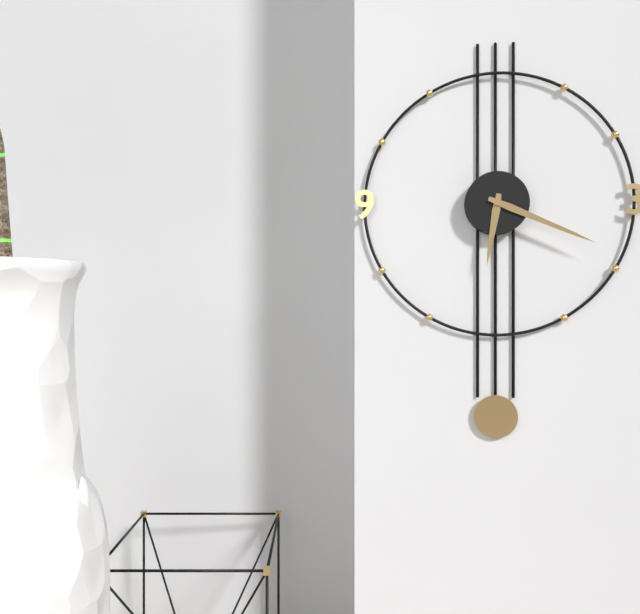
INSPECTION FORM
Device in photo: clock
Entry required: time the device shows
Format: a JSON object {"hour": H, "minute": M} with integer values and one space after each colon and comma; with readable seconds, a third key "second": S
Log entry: {"hour": 6, "minute": 19}
